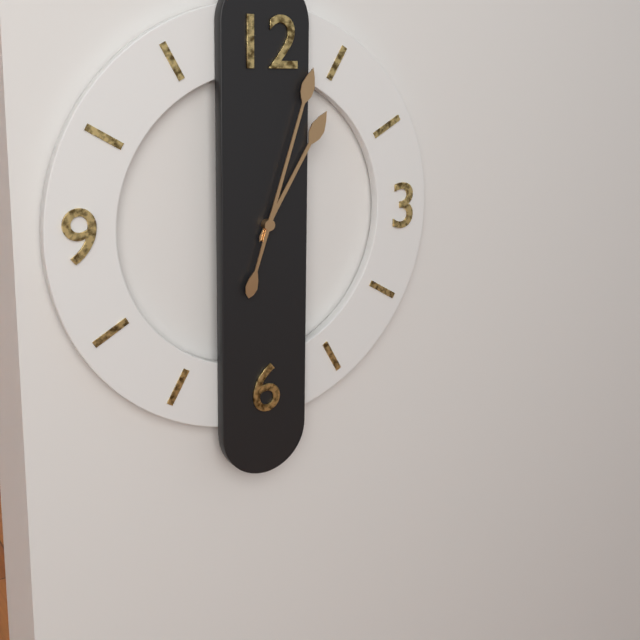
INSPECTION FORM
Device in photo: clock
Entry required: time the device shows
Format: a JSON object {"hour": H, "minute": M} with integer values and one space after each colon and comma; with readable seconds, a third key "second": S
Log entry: {"hour": 1, "minute": 3}
